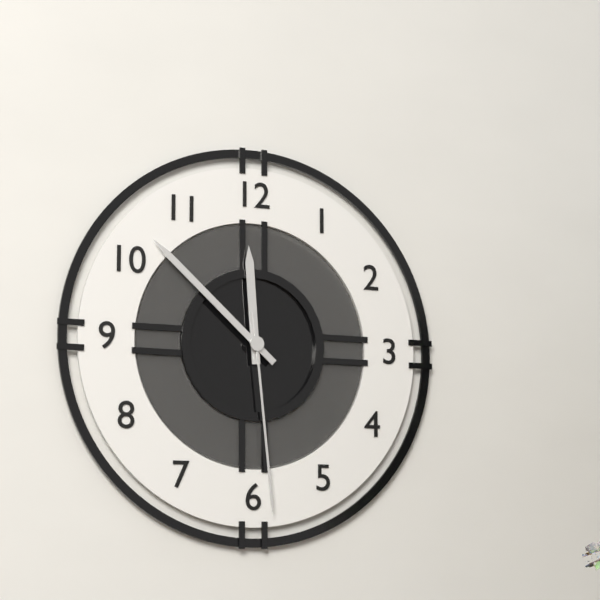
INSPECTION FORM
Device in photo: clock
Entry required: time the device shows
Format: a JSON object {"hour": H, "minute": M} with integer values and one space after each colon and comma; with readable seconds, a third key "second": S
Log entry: {"hour": 11, "minute": 52, "second": 29}
